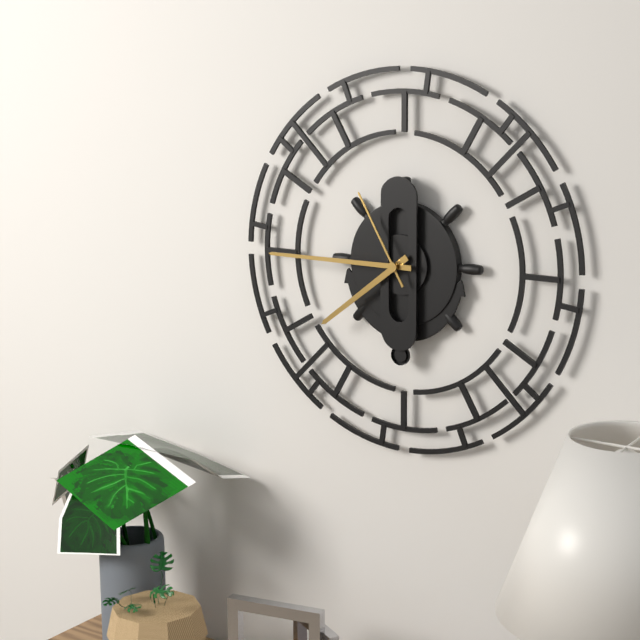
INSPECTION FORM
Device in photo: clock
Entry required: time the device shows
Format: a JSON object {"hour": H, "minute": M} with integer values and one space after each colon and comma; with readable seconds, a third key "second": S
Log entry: {"hour": 7, "minute": 45, "second": 55}
